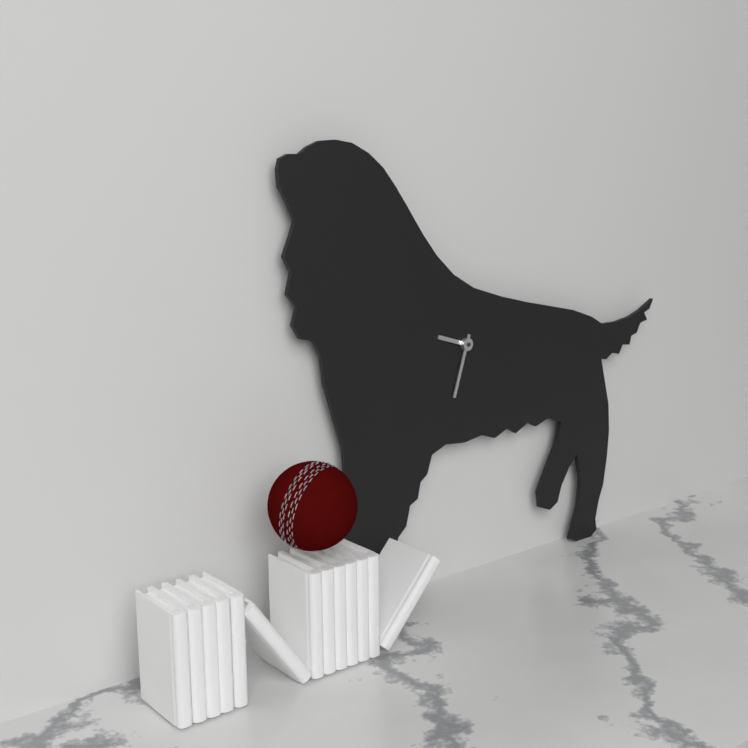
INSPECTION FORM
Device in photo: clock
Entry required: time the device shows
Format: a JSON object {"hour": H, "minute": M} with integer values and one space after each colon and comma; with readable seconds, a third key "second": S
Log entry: {"hour": 9, "minute": 33}
